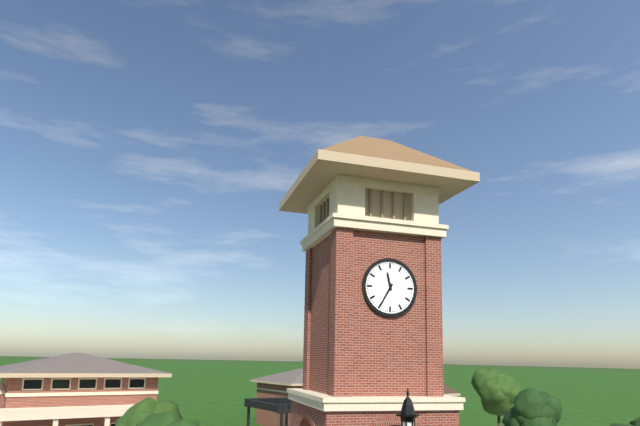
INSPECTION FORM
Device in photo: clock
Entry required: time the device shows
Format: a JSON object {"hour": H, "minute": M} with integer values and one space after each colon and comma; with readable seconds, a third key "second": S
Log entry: {"hour": 11, "minute": 35}
